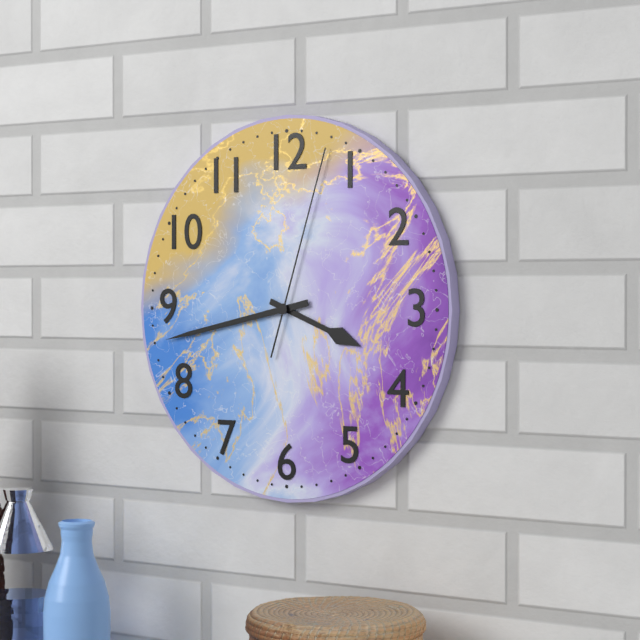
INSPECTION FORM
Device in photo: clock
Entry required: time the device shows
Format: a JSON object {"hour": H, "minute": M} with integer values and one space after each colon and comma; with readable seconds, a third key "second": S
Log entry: {"hour": 3, "minute": 43, "second": 3}
